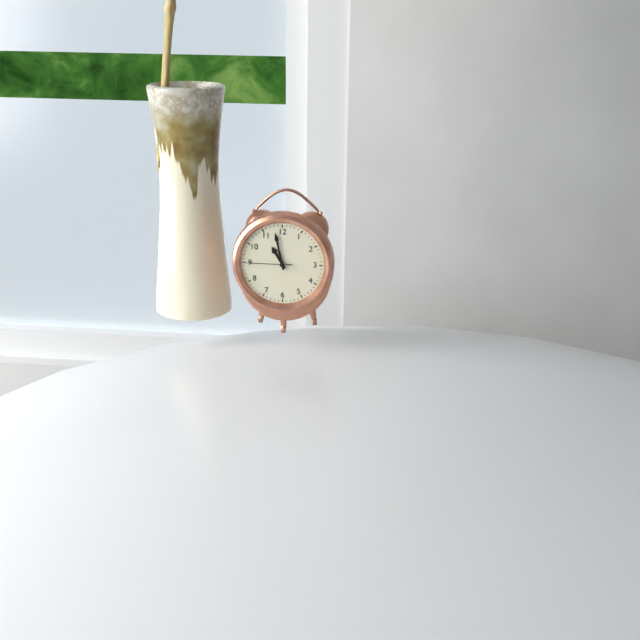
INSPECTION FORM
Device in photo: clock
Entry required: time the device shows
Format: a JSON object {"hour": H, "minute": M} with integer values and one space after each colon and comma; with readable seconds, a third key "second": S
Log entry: {"hour": 10, "minute": 58}
